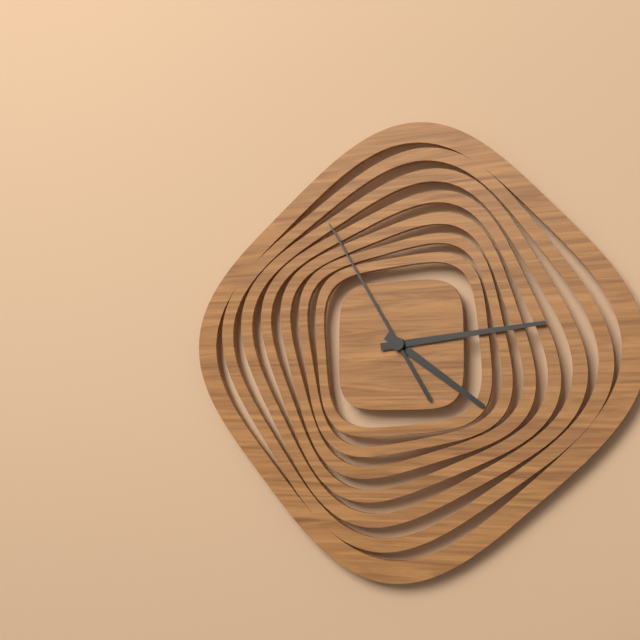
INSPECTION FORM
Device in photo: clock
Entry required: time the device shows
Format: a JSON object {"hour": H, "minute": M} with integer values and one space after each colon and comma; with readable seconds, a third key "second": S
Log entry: {"hour": 4, "minute": 14, "second": 55}
